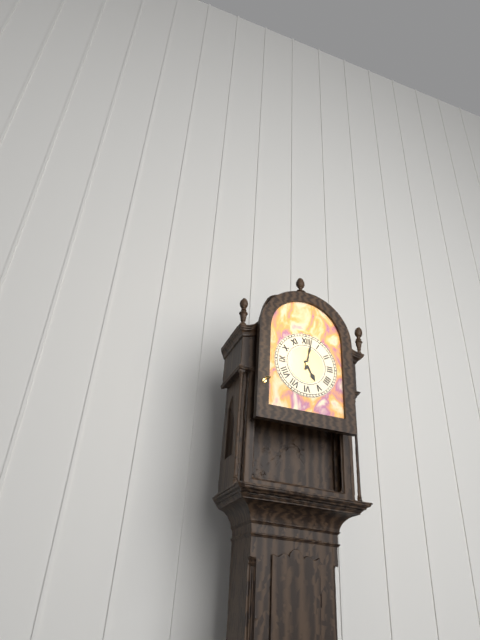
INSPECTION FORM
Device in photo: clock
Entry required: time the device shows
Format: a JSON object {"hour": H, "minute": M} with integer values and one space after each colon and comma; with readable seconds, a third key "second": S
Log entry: {"hour": 5, "minute": 2}
